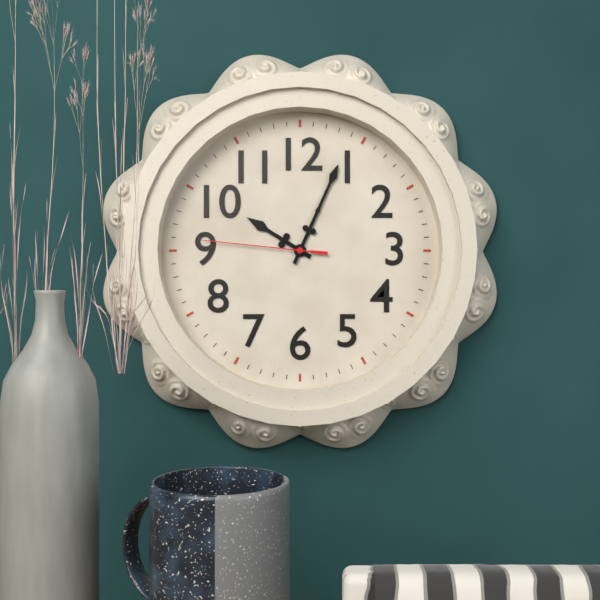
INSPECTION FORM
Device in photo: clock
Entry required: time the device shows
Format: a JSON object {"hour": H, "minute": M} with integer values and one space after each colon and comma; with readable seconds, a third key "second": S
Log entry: {"hour": 10, "minute": 4, "second": 46}
